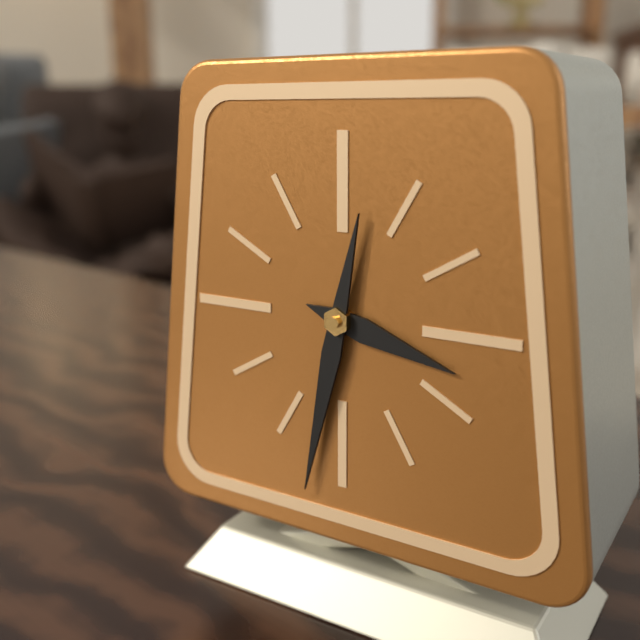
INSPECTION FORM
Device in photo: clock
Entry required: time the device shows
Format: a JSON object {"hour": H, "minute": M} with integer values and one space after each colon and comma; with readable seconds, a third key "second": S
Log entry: {"hour": 3, "minute": 32}
